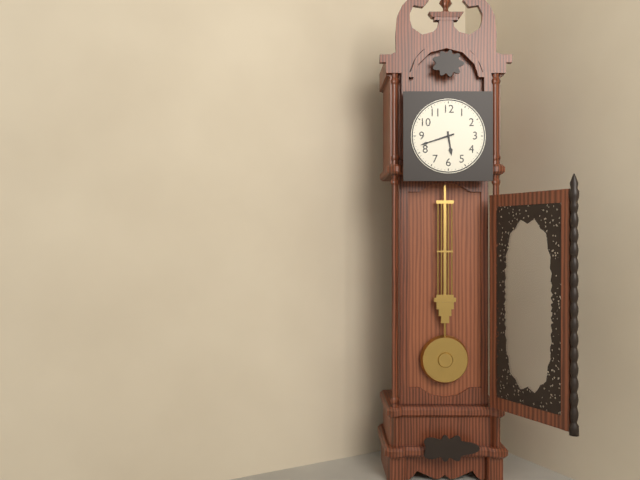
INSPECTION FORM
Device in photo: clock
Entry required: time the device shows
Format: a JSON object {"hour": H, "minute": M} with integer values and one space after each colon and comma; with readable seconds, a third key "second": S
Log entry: {"hour": 5, "minute": 42}
